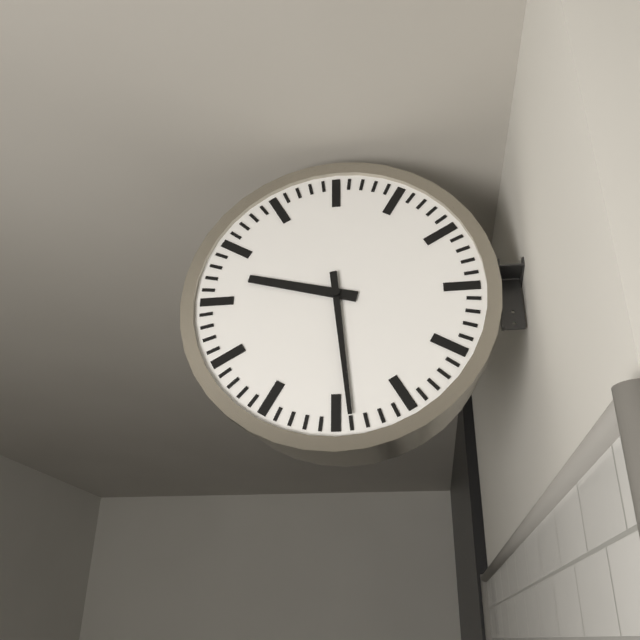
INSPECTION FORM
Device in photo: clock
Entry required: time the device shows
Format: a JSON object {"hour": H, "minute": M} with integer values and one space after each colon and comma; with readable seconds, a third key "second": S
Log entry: {"hour": 9, "minute": 29}
